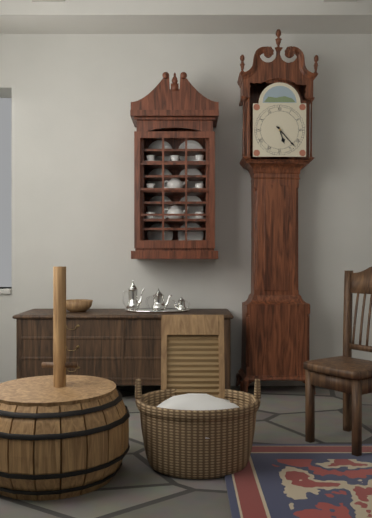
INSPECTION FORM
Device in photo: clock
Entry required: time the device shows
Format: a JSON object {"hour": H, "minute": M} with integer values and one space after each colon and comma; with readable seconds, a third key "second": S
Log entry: {"hour": 5, "minute": 23}
